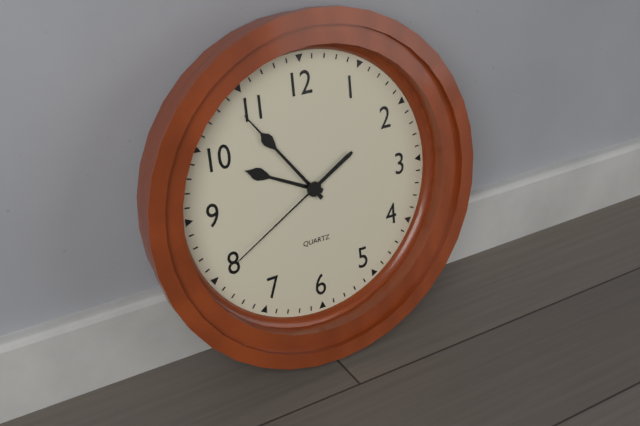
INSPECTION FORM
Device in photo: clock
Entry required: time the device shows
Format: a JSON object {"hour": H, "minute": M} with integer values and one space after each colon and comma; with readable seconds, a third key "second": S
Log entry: {"hour": 9, "minute": 54, "second": 40}
